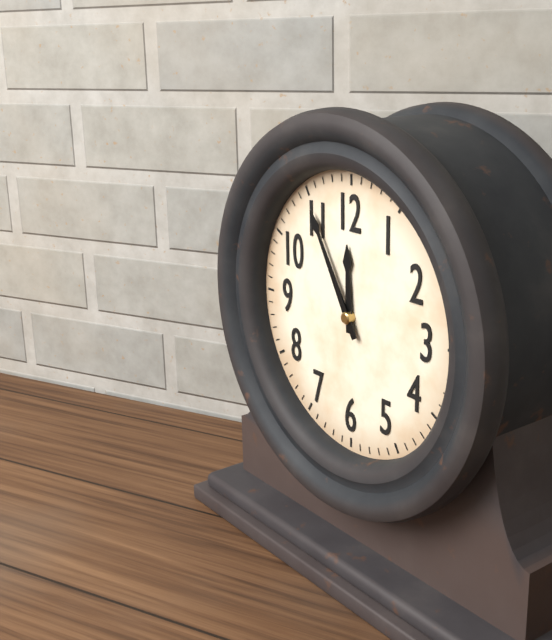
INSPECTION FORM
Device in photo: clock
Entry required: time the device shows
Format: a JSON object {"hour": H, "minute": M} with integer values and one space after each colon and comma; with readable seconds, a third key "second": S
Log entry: {"hour": 11, "minute": 55}
